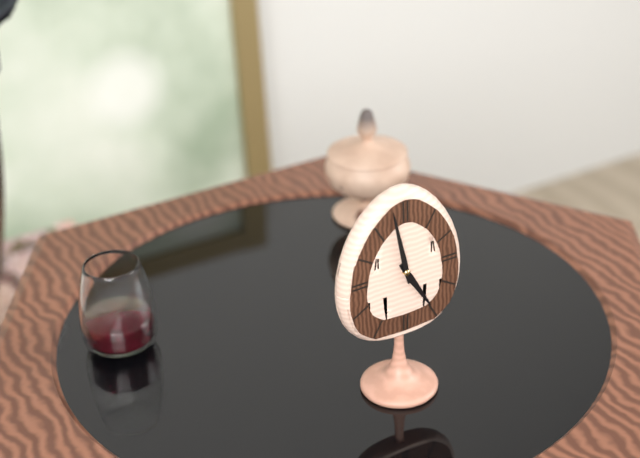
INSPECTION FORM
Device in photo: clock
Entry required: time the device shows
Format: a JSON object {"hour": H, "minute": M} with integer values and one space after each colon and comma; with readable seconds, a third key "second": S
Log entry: {"hour": 4, "minute": 58}
